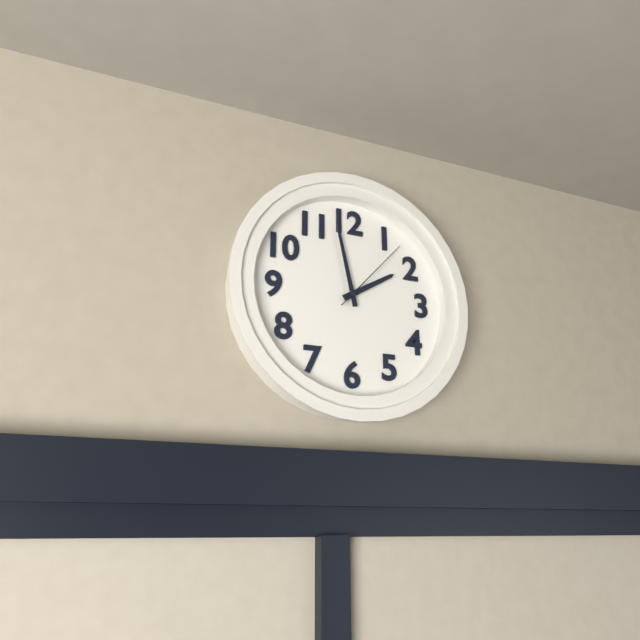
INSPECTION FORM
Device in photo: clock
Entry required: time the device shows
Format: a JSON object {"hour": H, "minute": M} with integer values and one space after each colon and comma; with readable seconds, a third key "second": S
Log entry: {"hour": 1, "minute": 58, "second": 7}
